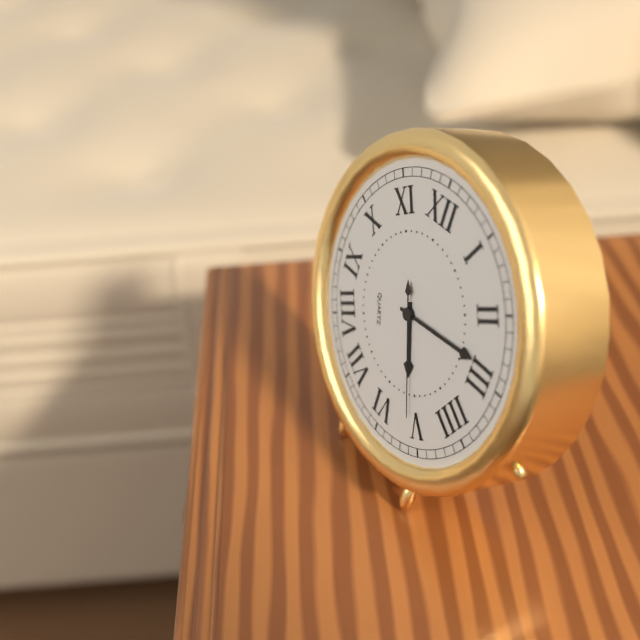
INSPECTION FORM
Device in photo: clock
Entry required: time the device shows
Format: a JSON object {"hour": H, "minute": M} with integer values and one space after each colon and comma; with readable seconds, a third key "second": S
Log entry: {"hour": 5, "minute": 14, "second": 26}
